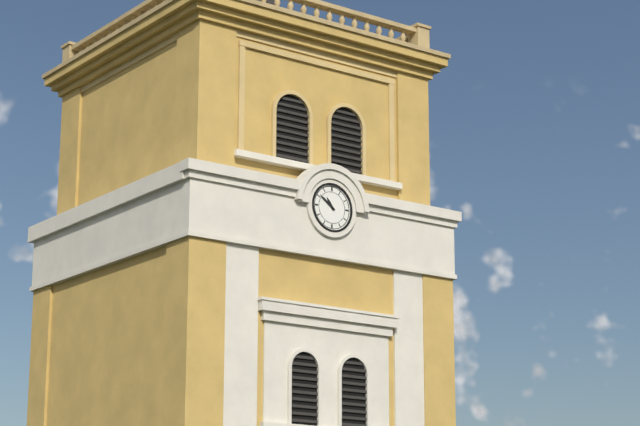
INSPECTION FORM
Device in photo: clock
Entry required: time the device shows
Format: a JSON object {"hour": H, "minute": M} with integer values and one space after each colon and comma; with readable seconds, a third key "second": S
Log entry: {"hour": 10, "minute": 51}
